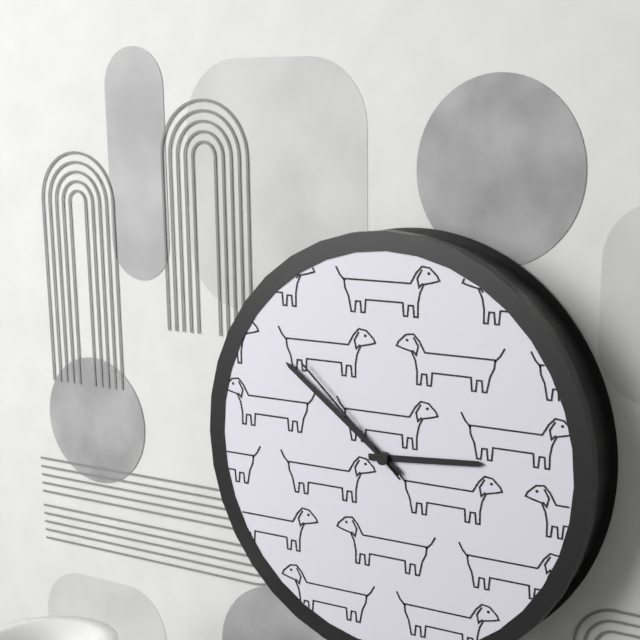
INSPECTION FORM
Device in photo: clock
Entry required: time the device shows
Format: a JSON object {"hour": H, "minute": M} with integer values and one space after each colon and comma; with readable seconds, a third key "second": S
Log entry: {"hour": 2, "minute": 51, "second": 52}
